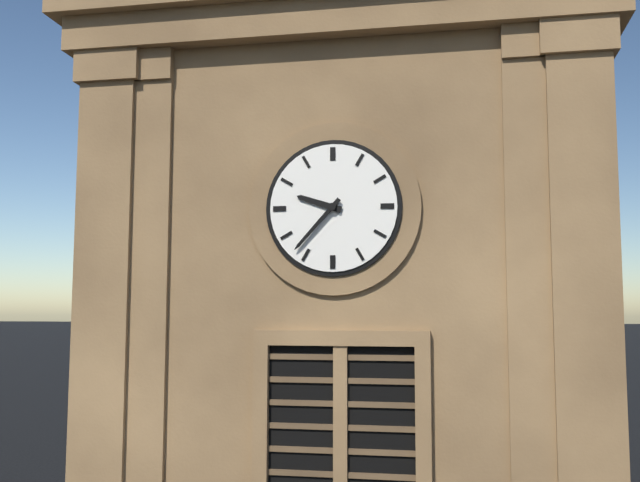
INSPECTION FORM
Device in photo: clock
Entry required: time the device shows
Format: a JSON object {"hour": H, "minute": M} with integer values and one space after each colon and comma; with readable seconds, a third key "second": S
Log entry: {"hour": 9, "minute": 37}
